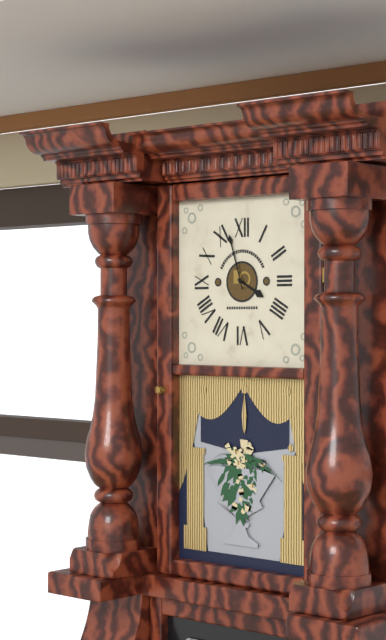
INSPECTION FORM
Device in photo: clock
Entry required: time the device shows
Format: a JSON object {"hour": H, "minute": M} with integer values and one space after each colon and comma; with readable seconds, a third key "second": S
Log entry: {"hour": 3, "minute": 57}
